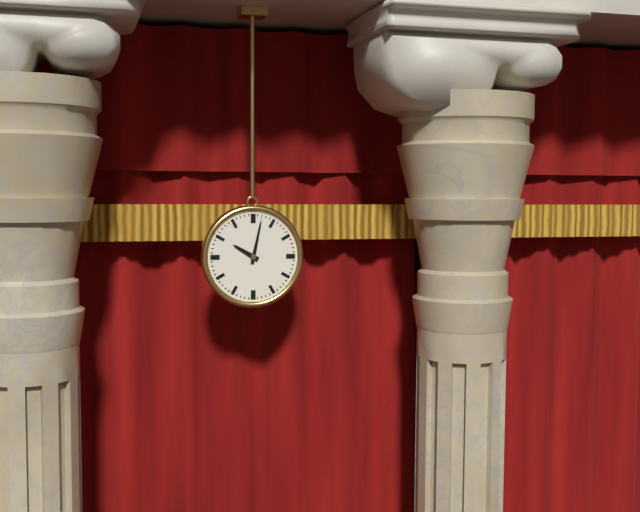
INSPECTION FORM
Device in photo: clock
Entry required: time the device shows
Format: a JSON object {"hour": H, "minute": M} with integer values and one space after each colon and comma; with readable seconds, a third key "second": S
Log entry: {"hour": 10, "minute": 2}
